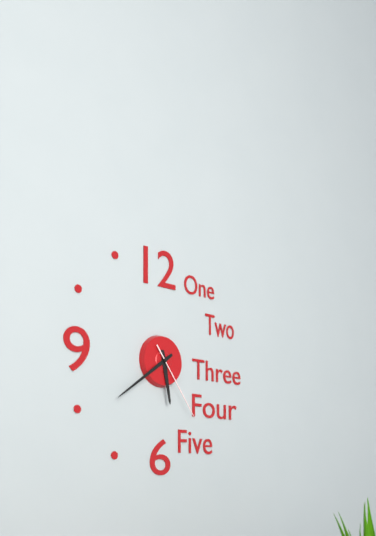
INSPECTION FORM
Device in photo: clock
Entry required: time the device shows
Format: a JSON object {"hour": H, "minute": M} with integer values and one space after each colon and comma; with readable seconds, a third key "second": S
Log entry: {"hour": 5, "minute": 39, "second": 24}
